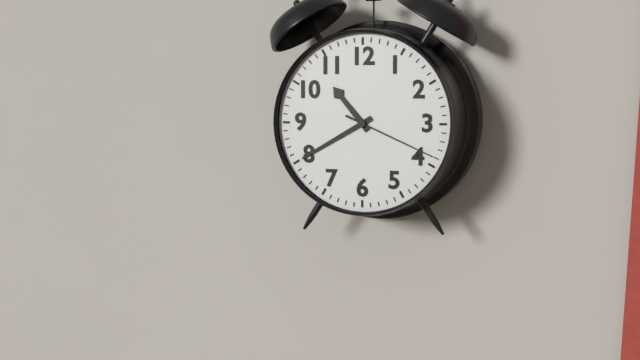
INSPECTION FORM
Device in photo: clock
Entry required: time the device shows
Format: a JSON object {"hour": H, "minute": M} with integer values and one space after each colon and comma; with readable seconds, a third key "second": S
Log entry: {"hour": 10, "minute": 40, "second": 19}
